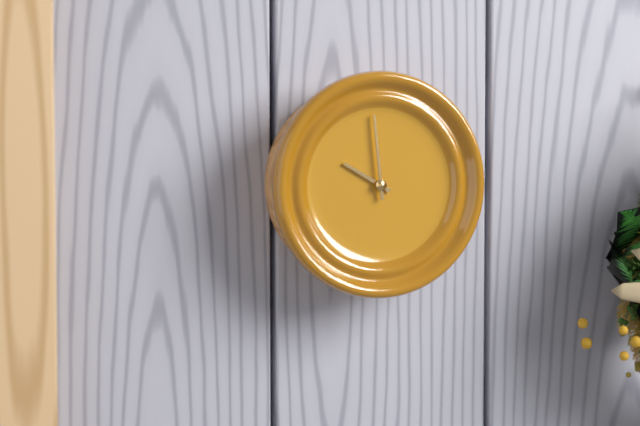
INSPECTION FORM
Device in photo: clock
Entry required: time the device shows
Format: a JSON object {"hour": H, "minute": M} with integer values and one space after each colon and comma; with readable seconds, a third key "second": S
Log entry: {"hour": 9, "minute": 59}
